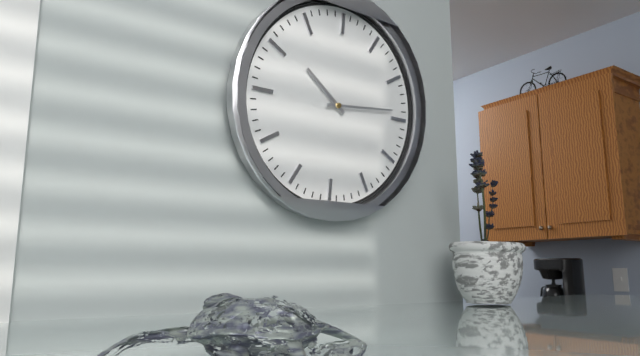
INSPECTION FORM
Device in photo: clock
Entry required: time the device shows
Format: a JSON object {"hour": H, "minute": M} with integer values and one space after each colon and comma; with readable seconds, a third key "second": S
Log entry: {"hour": 10, "minute": 14}
